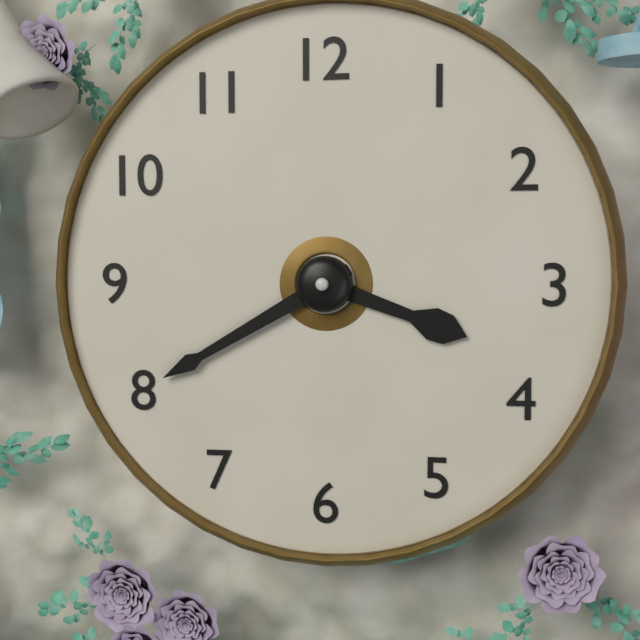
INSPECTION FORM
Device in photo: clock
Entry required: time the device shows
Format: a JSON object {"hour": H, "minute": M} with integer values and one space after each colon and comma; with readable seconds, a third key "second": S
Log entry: {"hour": 3, "minute": 40}
